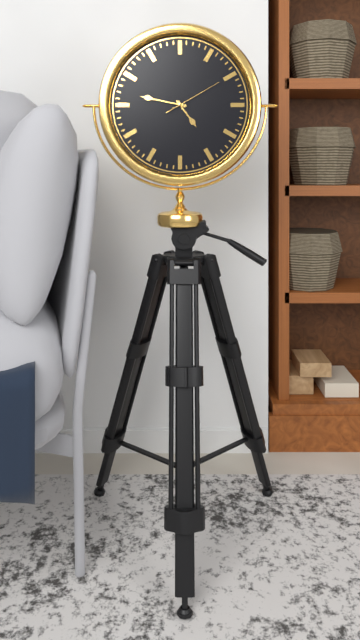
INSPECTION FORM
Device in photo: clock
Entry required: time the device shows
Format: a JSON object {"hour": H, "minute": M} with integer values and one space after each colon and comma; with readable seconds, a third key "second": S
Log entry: {"hour": 4, "minute": 47, "second": 10}
